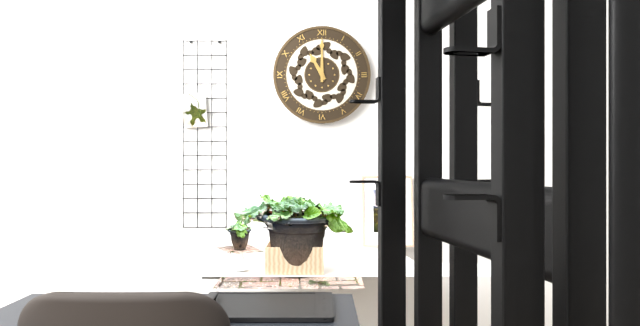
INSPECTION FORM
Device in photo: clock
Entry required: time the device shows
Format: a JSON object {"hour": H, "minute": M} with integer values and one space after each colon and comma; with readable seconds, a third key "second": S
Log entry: {"hour": 11, "minute": 0}
